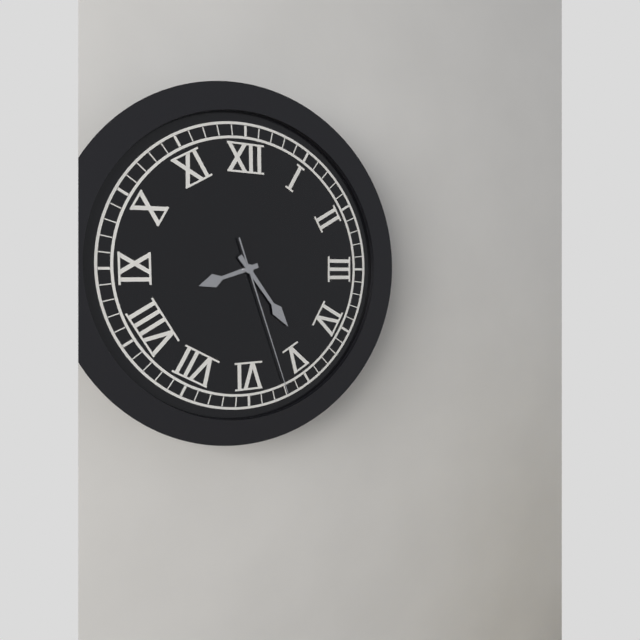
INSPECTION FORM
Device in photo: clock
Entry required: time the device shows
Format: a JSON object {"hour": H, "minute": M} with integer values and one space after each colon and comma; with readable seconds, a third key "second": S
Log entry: {"hour": 8, "minute": 24, "second": 27}
